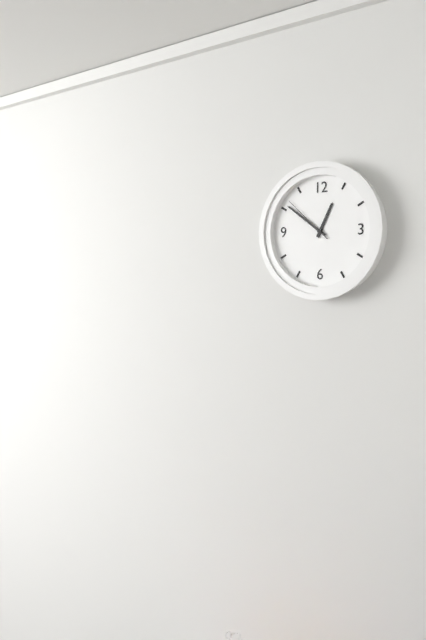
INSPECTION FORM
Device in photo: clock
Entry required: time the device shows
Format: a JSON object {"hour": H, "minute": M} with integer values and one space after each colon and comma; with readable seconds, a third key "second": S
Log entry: {"hour": 12, "minute": 51, "second": 52}
